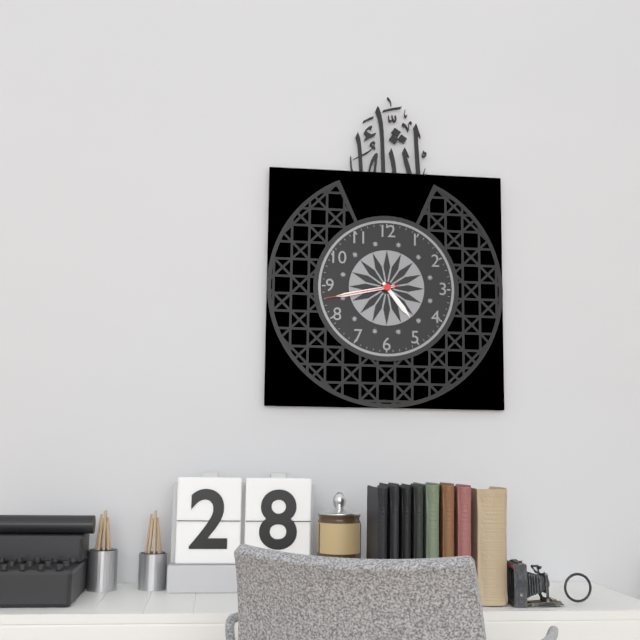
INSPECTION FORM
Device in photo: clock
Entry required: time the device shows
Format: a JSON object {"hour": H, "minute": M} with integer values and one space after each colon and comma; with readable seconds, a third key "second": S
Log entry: {"hour": 4, "minute": 43, "second": 43}
